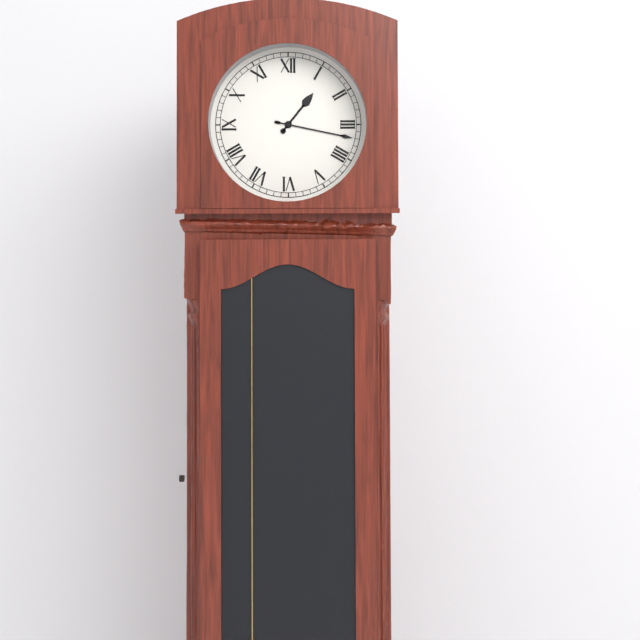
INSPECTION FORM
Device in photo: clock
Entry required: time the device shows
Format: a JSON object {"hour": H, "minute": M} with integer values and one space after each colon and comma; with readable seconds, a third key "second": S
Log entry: {"hour": 1, "minute": 17}
